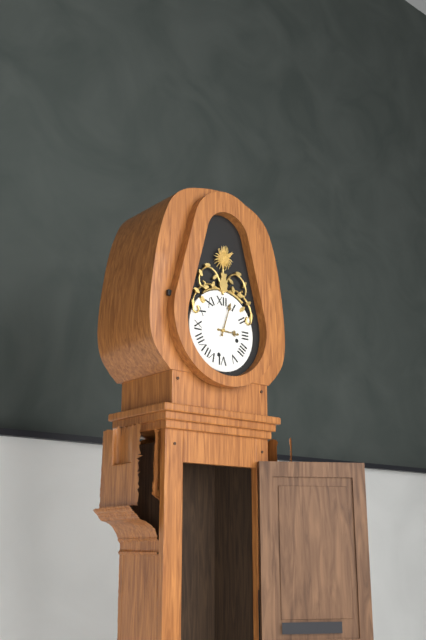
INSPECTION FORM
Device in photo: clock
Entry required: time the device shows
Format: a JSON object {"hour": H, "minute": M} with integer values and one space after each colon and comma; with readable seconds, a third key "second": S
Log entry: {"hour": 3, "minute": 3}
